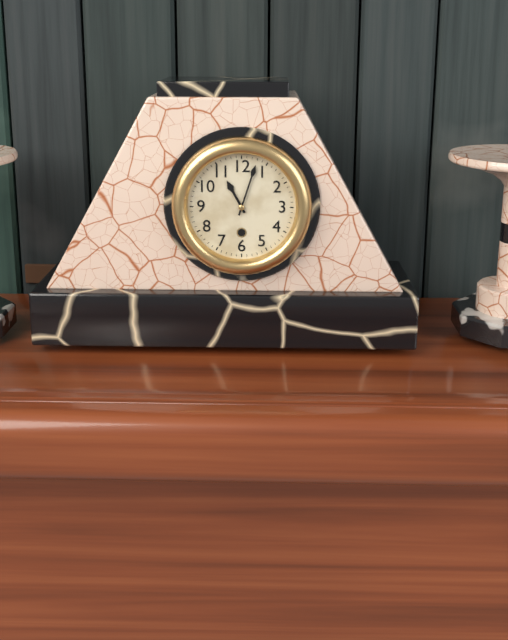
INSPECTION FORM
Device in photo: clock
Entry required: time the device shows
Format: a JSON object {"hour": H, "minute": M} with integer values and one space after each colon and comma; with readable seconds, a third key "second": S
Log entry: {"hour": 11, "minute": 3}
